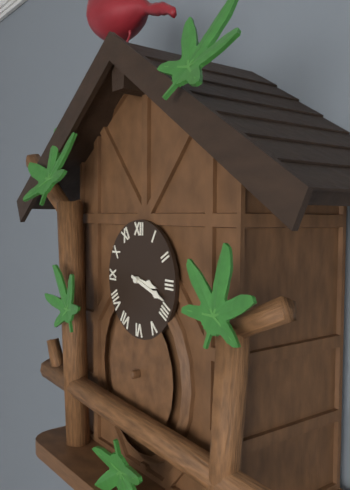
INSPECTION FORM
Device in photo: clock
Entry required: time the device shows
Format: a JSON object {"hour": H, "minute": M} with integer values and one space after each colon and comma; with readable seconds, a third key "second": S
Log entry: {"hour": 3, "minute": 18}
